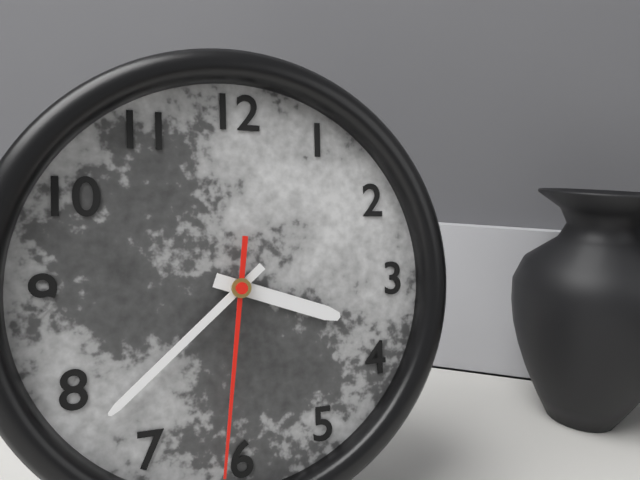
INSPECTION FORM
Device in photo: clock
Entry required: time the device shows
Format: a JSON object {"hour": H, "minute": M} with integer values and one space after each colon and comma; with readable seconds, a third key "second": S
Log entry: {"hour": 3, "minute": 38, "second": 31}
